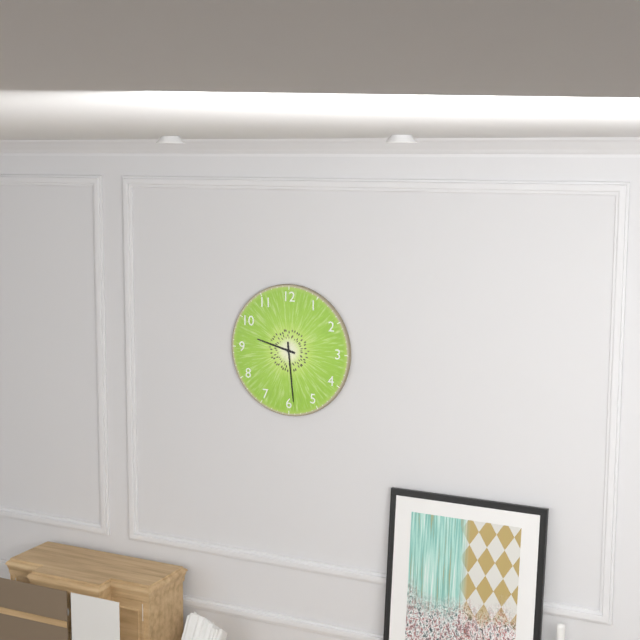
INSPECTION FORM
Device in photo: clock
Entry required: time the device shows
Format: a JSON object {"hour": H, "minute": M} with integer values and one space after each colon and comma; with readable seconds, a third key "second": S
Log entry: {"hour": 9, "minute": 29}
